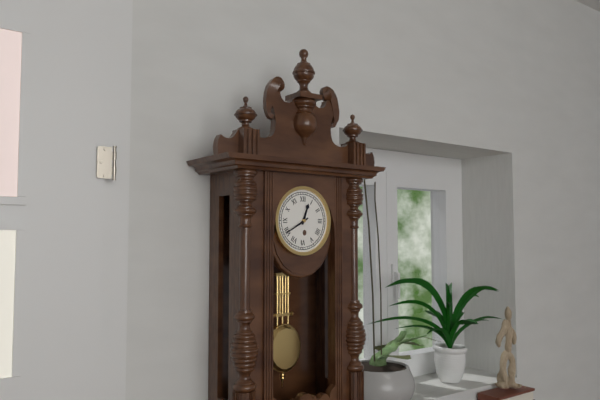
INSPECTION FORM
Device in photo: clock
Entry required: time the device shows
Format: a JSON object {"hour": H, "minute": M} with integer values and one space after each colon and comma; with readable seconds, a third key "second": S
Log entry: {"hour": 12, "minute": 40}
